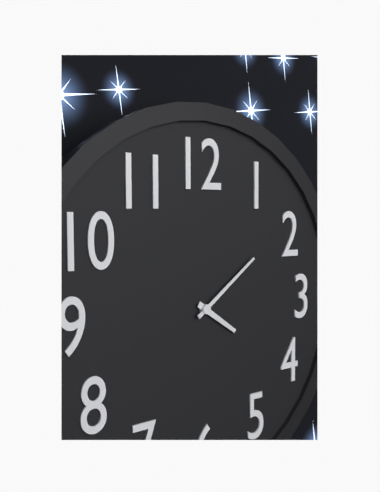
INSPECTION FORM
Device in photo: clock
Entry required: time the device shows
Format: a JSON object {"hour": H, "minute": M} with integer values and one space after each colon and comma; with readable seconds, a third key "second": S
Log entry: {"hour": 4, "minute": 9}
